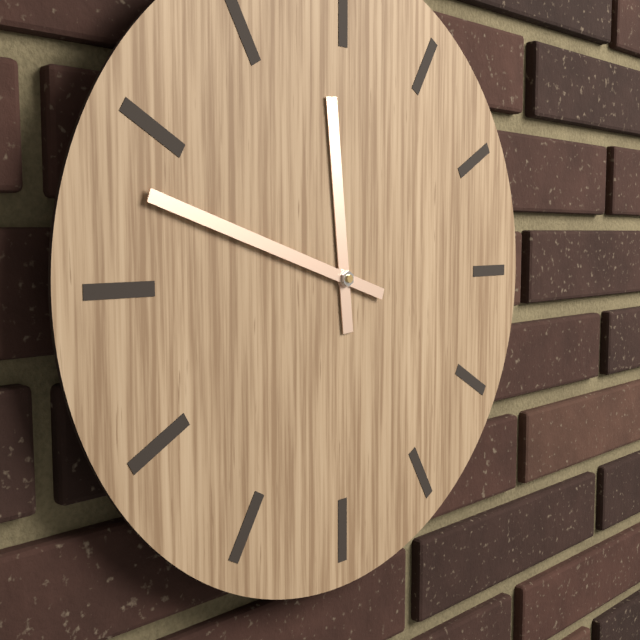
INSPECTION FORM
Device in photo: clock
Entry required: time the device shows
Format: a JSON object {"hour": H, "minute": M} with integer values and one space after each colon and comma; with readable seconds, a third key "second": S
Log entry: {"hour": 11, "minute": 48}
